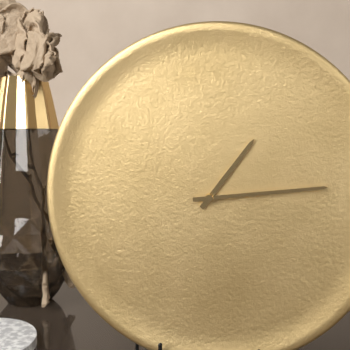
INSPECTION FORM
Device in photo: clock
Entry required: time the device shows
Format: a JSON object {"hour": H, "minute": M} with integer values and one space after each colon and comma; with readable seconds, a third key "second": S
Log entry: {"hour": 1, "minute": 14}
